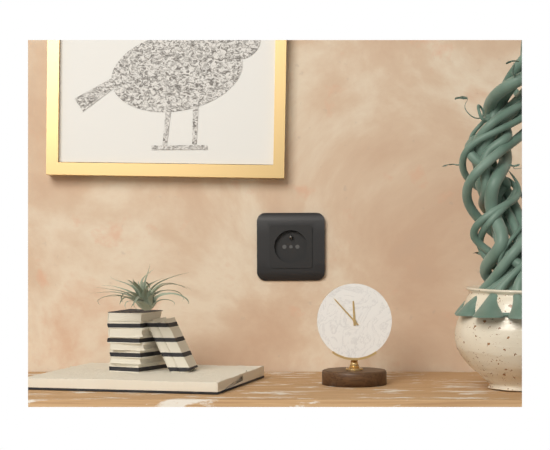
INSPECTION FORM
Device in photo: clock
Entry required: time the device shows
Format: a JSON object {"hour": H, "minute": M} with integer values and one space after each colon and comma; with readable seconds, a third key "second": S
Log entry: {"hour": 11, "minute": 53}
